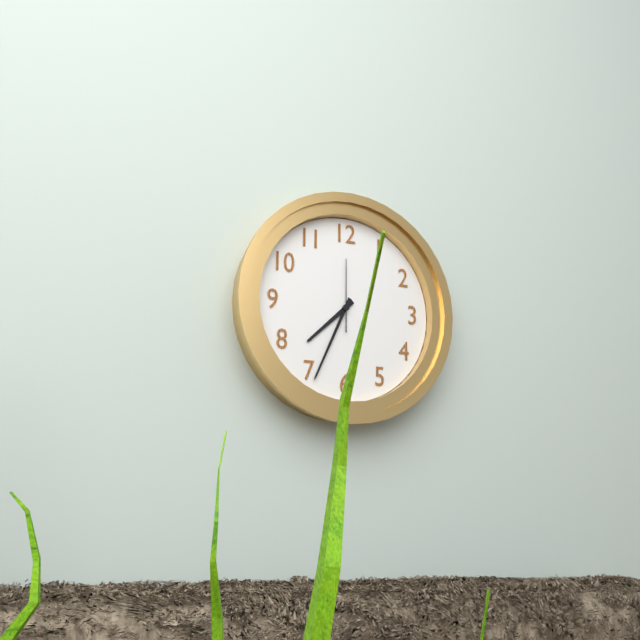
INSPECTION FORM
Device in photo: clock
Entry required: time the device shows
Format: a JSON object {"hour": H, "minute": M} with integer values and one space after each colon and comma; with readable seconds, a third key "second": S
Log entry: {"hour": 7, "minute": 34, "second": 0}
